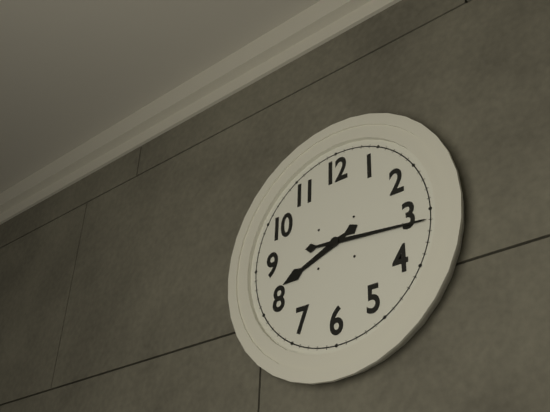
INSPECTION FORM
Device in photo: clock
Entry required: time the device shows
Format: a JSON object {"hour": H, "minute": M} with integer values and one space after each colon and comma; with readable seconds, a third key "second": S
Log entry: {"hour": 8, "minute": 16}
